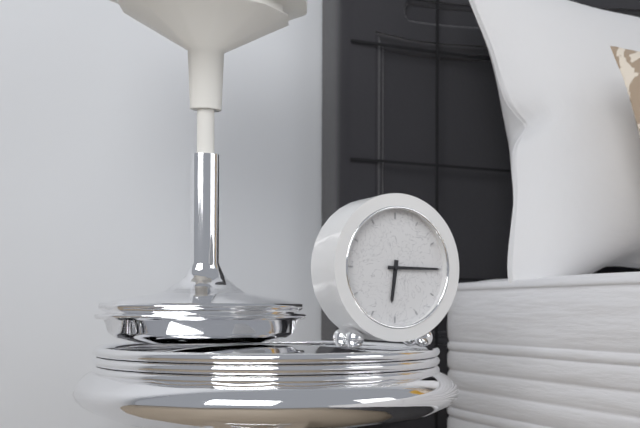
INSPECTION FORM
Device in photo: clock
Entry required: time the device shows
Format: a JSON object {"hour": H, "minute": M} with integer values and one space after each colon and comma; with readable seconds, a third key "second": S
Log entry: {"hour": 6, "minute": 15}
